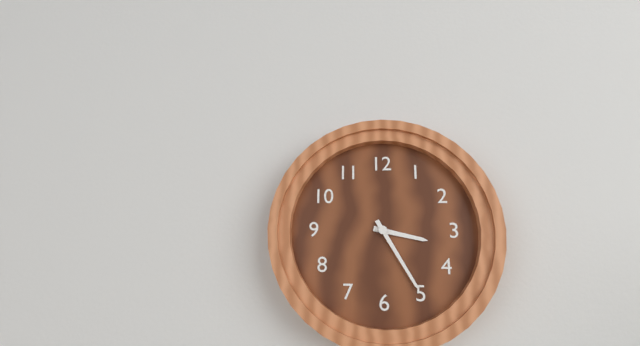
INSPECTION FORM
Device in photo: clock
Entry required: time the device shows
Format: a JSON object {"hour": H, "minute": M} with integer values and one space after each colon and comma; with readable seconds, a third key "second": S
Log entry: {"hour": 3, "minute": 25}
